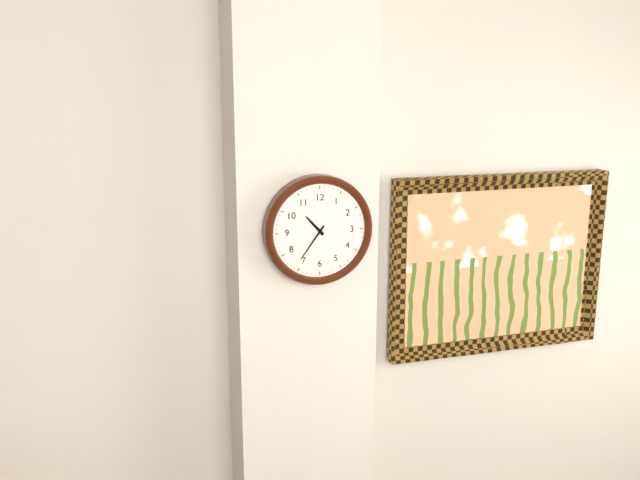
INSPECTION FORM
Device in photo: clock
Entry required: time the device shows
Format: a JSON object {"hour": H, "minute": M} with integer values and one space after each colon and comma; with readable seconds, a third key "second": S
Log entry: {"hour": 10, "minute": 36}
